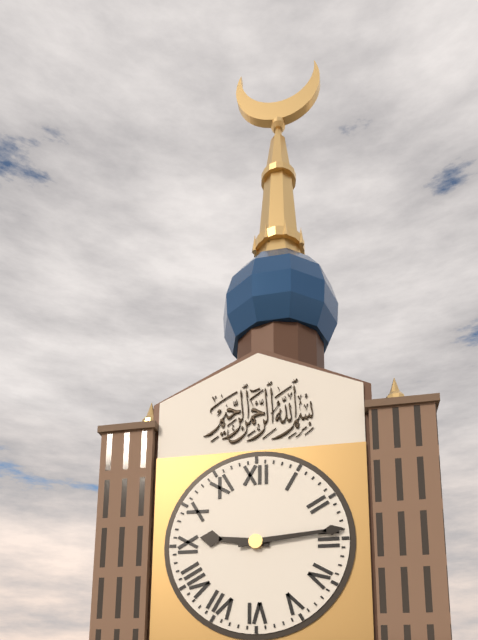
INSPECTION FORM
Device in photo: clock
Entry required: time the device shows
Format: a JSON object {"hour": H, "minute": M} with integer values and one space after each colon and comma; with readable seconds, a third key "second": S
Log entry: {"hour": 9, "minute": 14}
